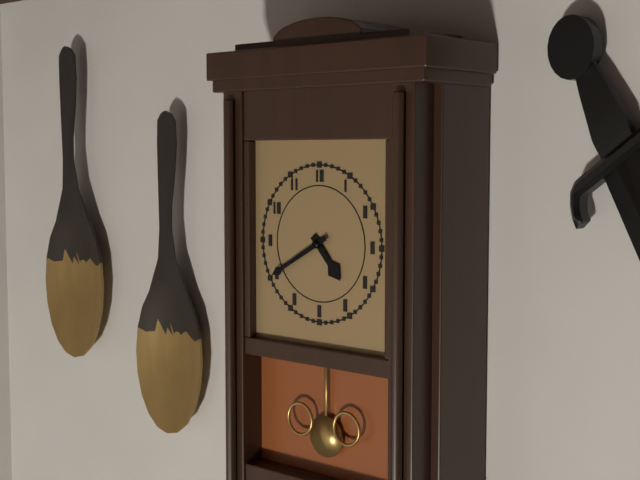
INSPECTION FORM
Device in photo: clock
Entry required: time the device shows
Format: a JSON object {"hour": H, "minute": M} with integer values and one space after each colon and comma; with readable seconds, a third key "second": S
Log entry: {"hour": 4, "minute": 40}
